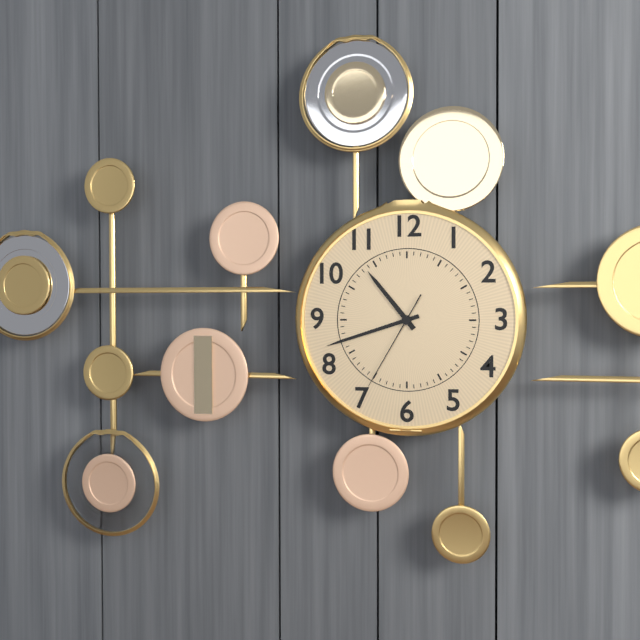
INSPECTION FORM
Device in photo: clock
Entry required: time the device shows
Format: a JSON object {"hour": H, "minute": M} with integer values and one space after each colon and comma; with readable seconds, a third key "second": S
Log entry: {"hour": 10, "minute": 42, "second": 35}
